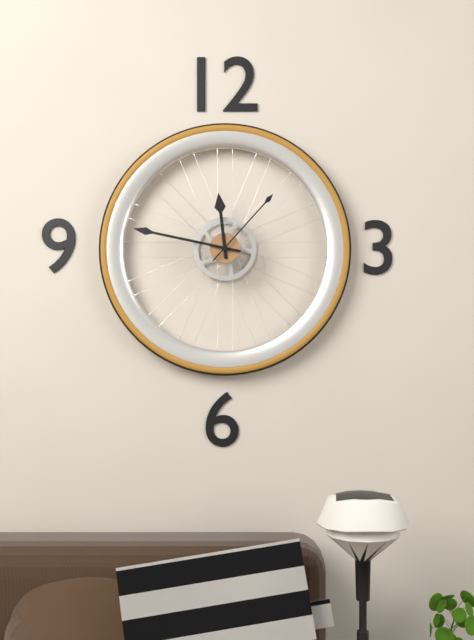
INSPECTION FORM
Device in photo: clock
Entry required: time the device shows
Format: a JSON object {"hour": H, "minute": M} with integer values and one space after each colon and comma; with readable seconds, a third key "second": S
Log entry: {"hour": 11, "minute": 47, "second": 7}
